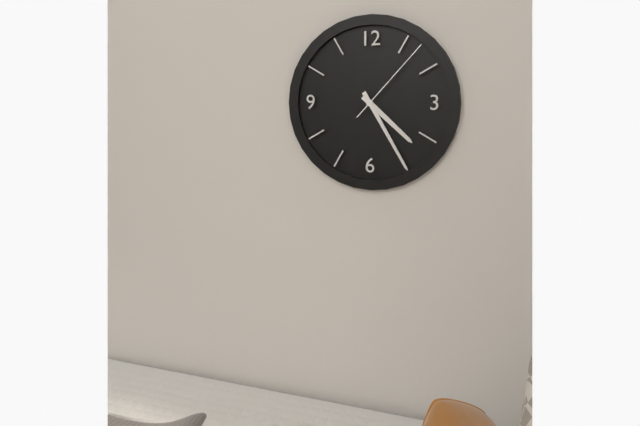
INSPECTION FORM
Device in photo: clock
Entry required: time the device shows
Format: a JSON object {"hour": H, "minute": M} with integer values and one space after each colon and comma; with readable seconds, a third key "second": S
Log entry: {"hour": 4, "minute": 25, "second": 7}
